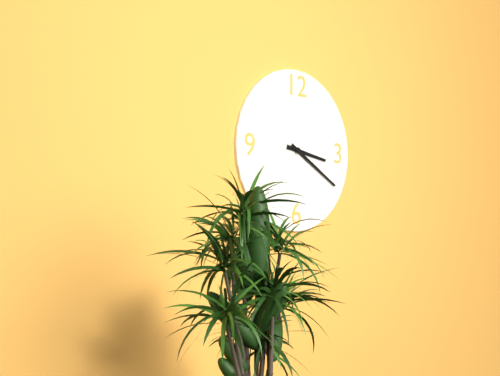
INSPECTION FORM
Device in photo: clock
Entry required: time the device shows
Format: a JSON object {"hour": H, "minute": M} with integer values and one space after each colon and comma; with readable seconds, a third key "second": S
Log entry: {"hour": 3, "minute": 20}
